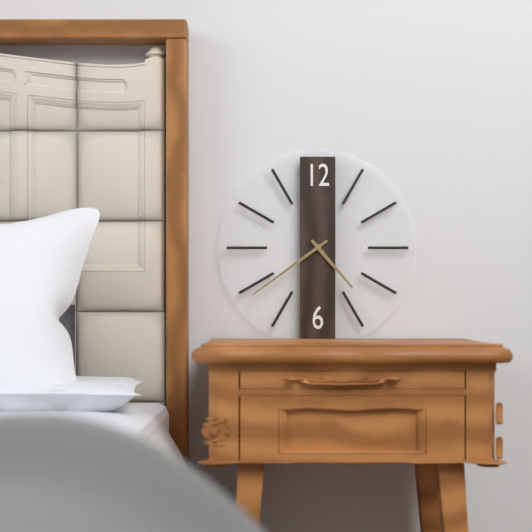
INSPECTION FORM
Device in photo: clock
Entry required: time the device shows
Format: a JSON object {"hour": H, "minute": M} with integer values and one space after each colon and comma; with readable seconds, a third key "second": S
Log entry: {"hour": 4, "minute": 39}
